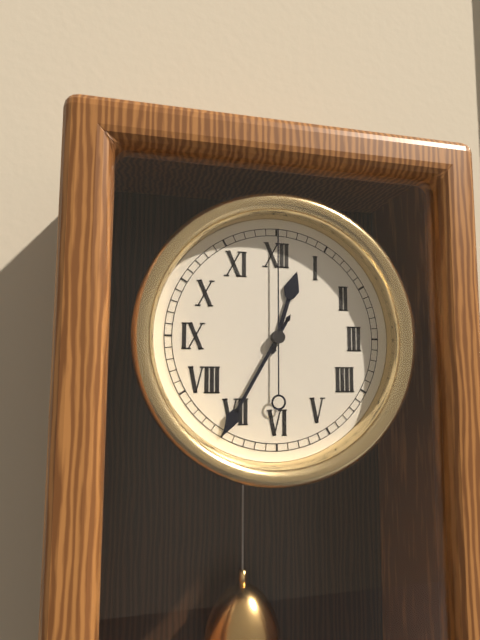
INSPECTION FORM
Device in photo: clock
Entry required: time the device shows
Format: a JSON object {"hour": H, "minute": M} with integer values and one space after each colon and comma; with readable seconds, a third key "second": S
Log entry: {"hour": 12, "minute": 35, "second": 0}
